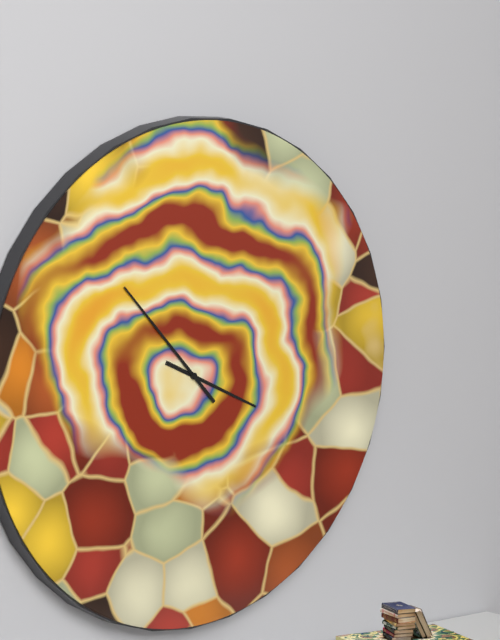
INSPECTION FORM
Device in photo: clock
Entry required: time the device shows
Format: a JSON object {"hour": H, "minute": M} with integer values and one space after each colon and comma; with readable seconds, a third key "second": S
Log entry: {"hour": 3, "minute": 53}
